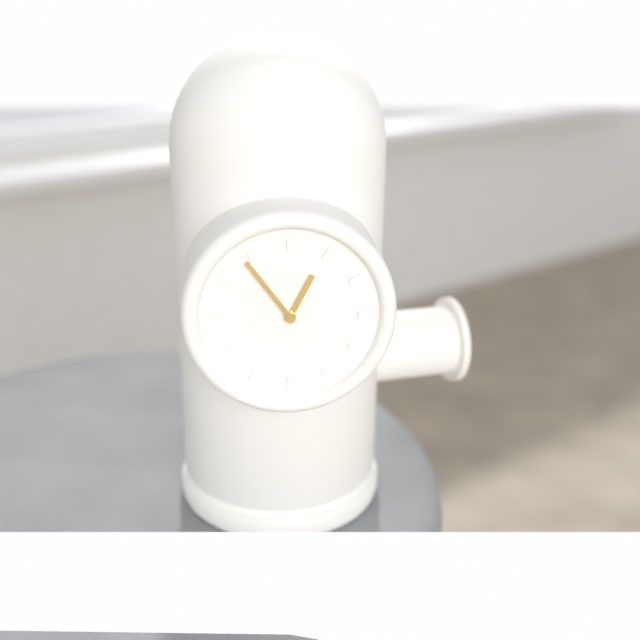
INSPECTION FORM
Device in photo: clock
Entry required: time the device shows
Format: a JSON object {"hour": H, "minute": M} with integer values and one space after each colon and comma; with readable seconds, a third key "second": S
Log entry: {"hour": 12, "minute": 54}
